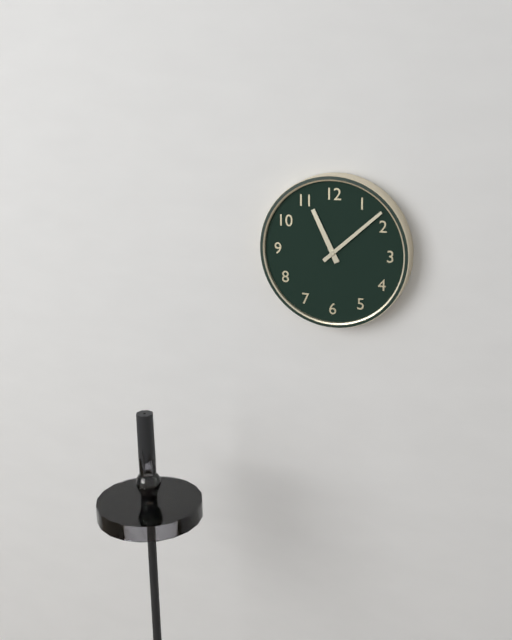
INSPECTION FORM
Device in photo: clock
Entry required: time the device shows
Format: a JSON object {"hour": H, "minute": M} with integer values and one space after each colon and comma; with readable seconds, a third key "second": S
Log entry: {"hour": 11, "minute": 8}
